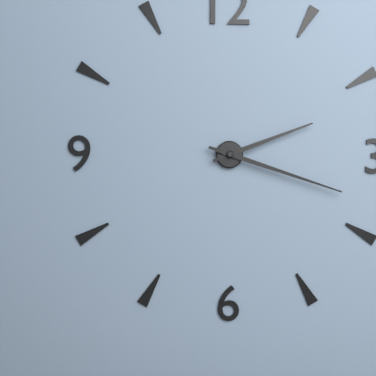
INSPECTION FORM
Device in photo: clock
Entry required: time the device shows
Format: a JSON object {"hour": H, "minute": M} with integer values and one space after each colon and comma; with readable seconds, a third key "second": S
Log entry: {"hour": 2, "minute": 18}
